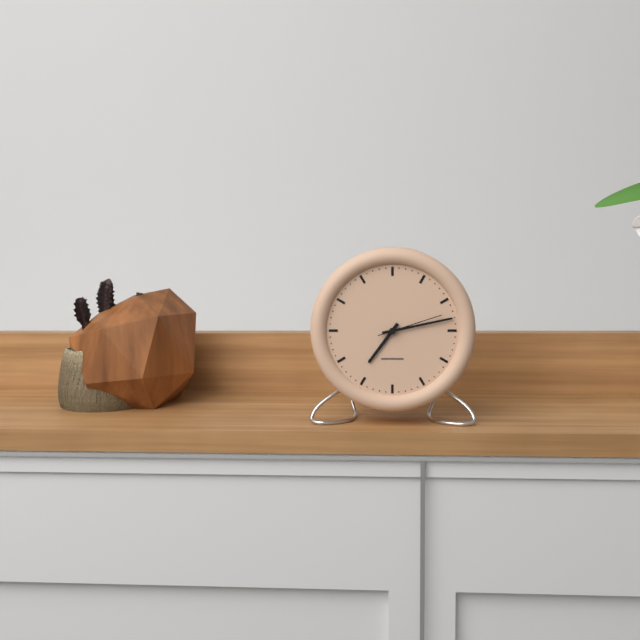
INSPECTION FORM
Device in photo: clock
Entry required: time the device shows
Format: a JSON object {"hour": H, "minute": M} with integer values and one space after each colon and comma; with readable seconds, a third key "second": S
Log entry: {"hour": 7, "minute": 13, "second": 12}
